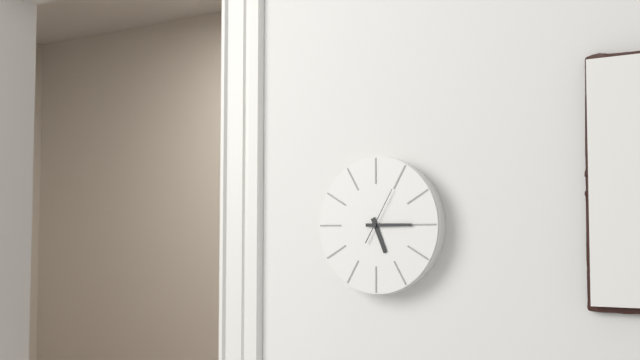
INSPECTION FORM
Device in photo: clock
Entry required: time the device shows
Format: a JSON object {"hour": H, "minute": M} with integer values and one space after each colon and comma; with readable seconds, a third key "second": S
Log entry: {"hour": 5, "minute": 15}
